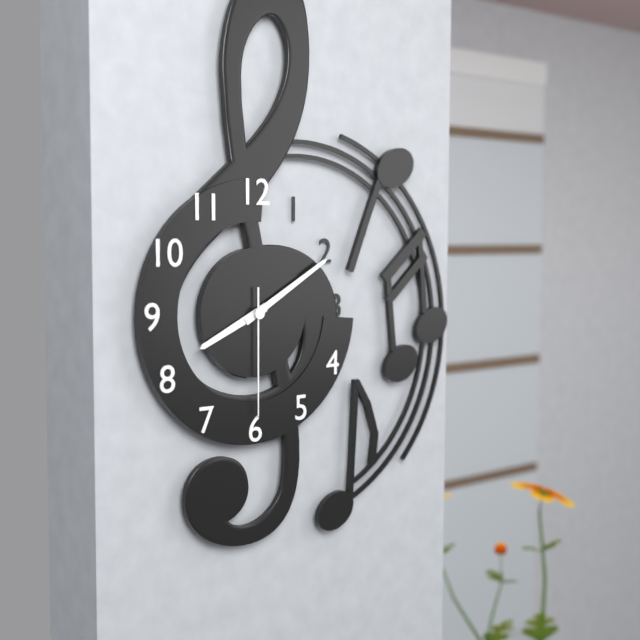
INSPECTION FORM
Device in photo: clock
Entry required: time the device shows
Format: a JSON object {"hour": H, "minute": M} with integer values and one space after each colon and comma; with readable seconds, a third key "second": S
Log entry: {"hour": 8, "minute": 10, "second": 30}
